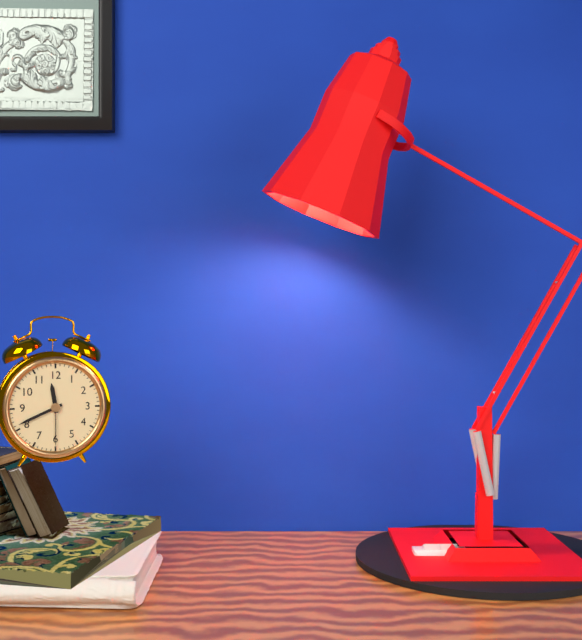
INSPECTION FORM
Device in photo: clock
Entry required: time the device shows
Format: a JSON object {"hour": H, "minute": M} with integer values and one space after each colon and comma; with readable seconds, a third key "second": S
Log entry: {"hour": 11, "minute": 41, "second": 30}
